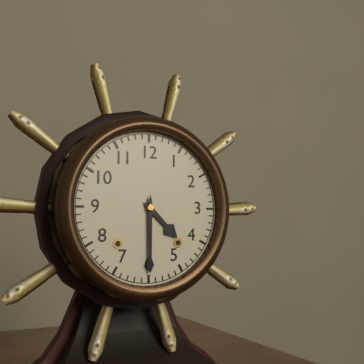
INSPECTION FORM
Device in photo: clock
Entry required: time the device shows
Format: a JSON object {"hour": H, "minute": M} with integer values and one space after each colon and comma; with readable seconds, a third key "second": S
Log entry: {"hour": 4, "minute": 30}
